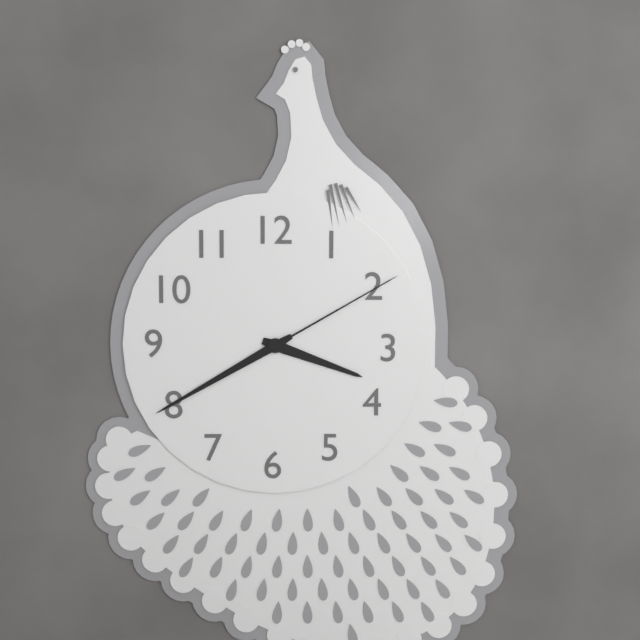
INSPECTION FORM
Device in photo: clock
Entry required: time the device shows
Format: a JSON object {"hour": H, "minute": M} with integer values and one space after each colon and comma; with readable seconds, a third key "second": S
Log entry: {"hour": 3, "minute": 40, "second": 10}
